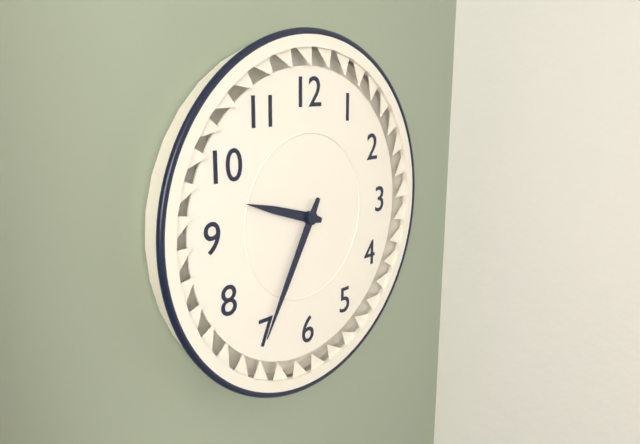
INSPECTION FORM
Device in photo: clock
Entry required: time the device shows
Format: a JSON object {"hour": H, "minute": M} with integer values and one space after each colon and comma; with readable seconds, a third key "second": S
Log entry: {"hour": 9, "minute": 35}
